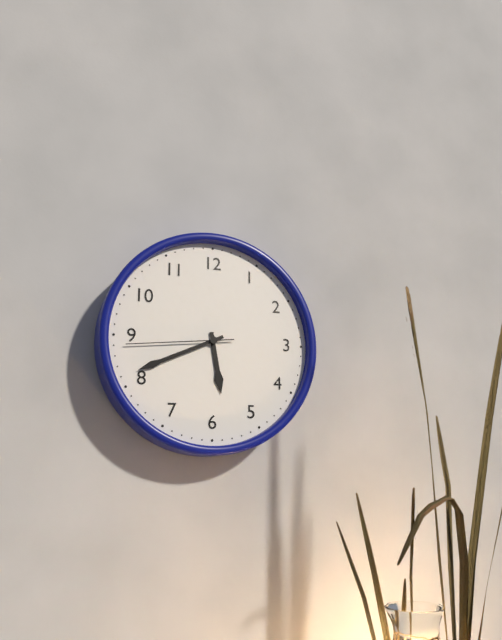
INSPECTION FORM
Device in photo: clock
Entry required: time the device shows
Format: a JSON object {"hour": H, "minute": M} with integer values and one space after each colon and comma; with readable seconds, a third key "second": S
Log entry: {"hour": 5, "minute": 41, "second": 44}
